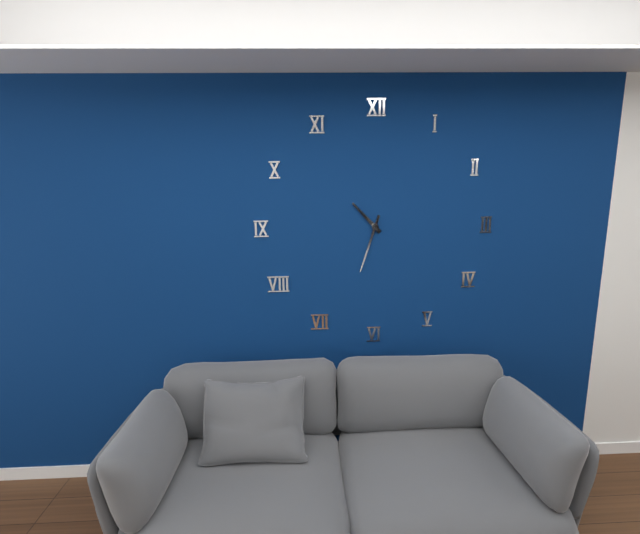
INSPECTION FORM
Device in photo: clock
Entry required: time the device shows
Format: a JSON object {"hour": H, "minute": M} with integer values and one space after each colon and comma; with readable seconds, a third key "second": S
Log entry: {"hour": 10, "minute": 33}
